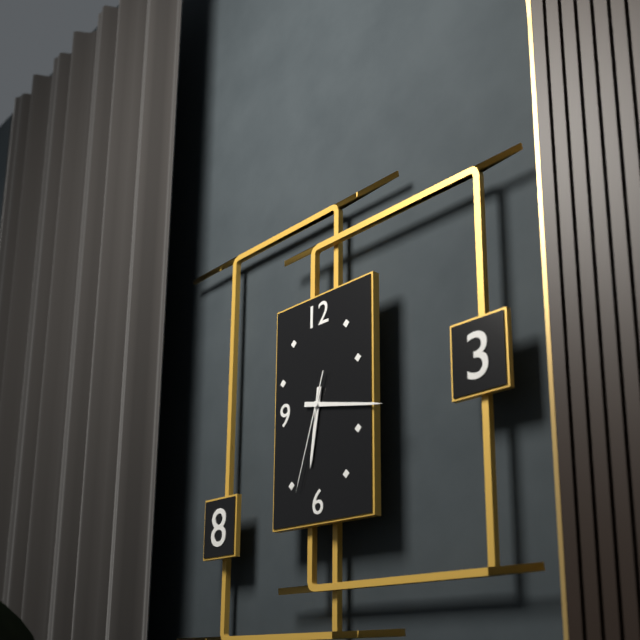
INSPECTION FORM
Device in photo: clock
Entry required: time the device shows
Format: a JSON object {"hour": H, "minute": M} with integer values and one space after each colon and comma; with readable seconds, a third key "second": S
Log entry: {"hour": 6, "minute": 17, "second": 33}
